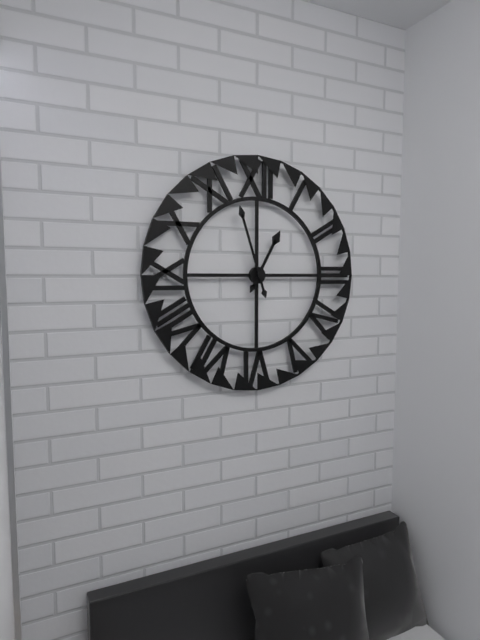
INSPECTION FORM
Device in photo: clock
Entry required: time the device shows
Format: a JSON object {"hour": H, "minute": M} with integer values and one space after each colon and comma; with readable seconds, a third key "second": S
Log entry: {"hour": 12, "minute": 57}
